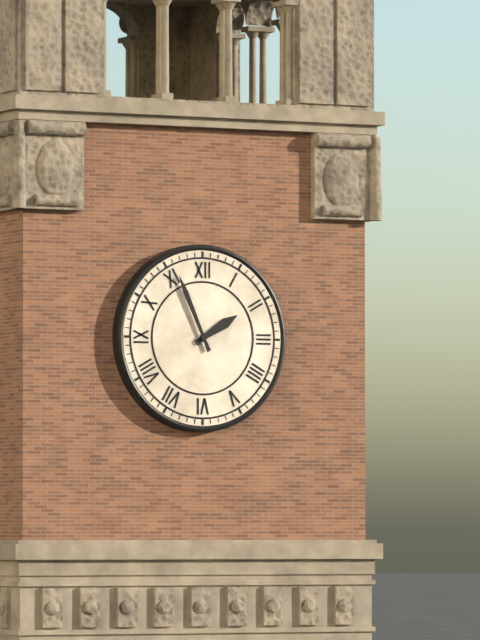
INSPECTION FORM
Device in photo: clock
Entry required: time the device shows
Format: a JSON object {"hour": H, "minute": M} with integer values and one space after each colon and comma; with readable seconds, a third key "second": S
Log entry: {"hour": 1, "minute": 56}
